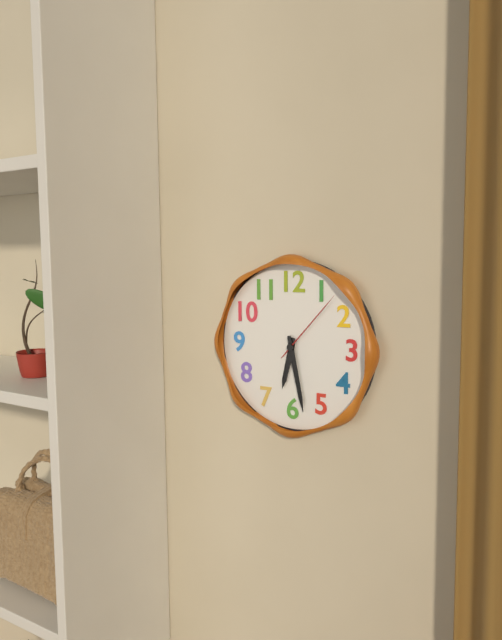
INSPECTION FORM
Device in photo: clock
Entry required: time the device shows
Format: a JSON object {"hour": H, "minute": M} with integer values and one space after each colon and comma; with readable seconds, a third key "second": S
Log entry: {"hour": 6, "minute": 28, "second": 7}
